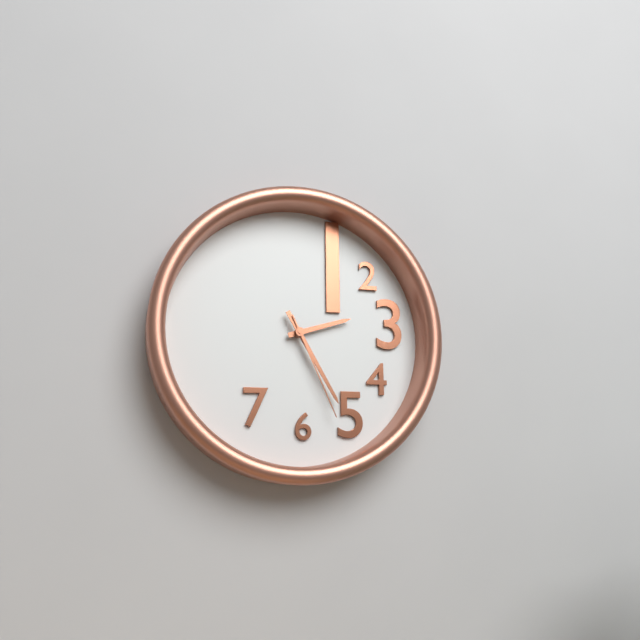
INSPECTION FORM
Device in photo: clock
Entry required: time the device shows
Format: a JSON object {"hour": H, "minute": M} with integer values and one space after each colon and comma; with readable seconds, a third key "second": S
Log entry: {"hour": 2, "minute": 25, "second": 26}
